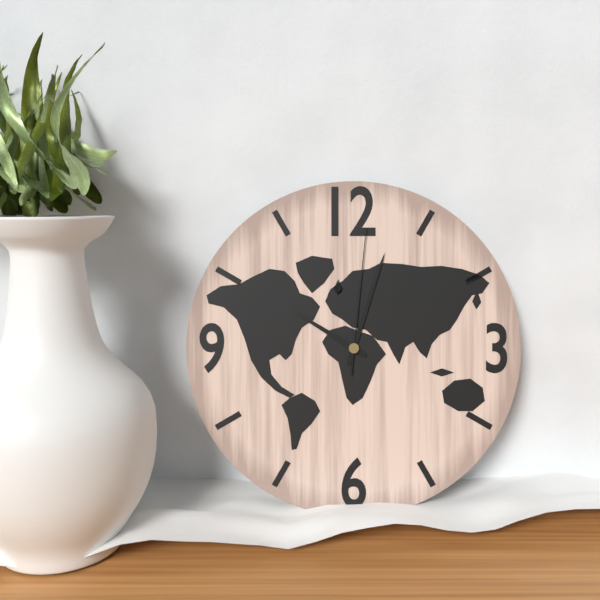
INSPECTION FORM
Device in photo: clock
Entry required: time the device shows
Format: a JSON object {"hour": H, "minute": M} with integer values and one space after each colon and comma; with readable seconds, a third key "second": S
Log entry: {"hour": 10, "minute": 3, "second": 1}
